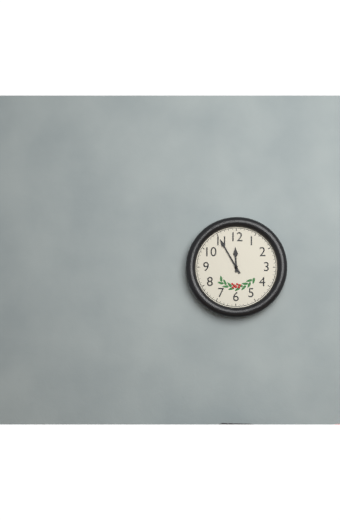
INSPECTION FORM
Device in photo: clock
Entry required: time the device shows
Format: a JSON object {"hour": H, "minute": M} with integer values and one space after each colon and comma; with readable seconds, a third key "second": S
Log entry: {"hour": 11, "minute": 55}
